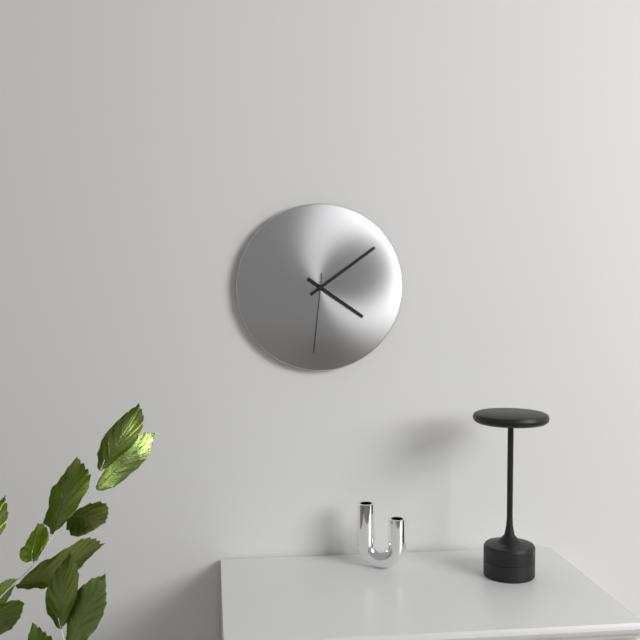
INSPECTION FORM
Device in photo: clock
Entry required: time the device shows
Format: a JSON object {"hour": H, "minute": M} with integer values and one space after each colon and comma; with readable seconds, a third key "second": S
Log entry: {"hour": 4, "minute": 9, "second": 31}
